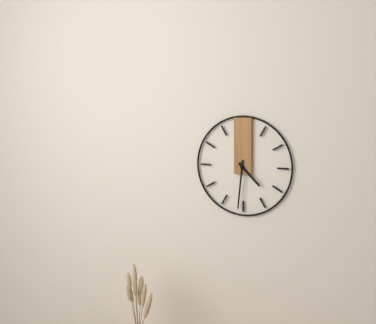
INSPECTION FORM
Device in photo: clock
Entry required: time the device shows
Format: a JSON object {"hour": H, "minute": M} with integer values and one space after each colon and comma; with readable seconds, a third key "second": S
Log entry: {"hour": 4, "minute": 31}
